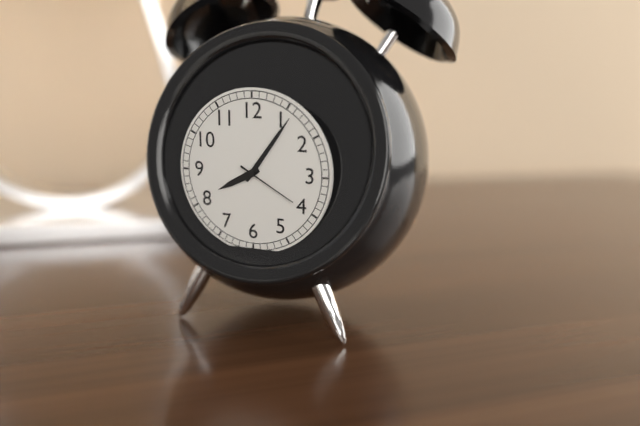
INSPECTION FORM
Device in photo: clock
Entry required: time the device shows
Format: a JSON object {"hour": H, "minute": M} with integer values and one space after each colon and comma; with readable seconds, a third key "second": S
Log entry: {"hour": 8, "minute": 6, "second": 20}
